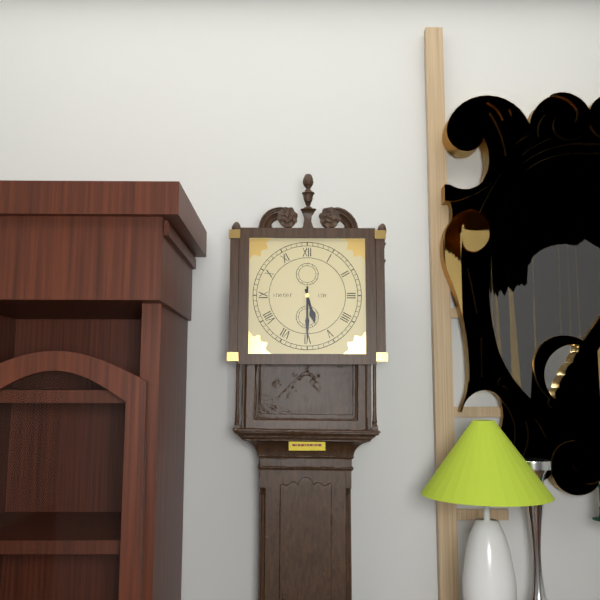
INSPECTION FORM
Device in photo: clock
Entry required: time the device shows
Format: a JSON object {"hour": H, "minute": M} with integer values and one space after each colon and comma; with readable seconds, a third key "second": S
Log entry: {"hour": 5, "minute": 30}
